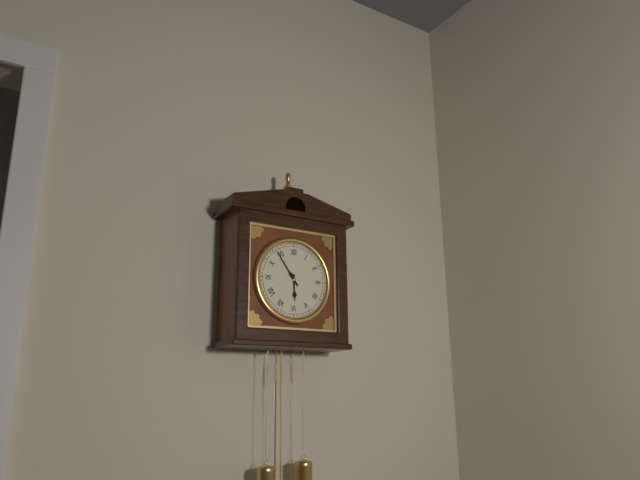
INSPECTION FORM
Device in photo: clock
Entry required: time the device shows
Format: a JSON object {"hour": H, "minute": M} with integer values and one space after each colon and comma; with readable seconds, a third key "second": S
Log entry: {"hour": 5, "minute": 54}
